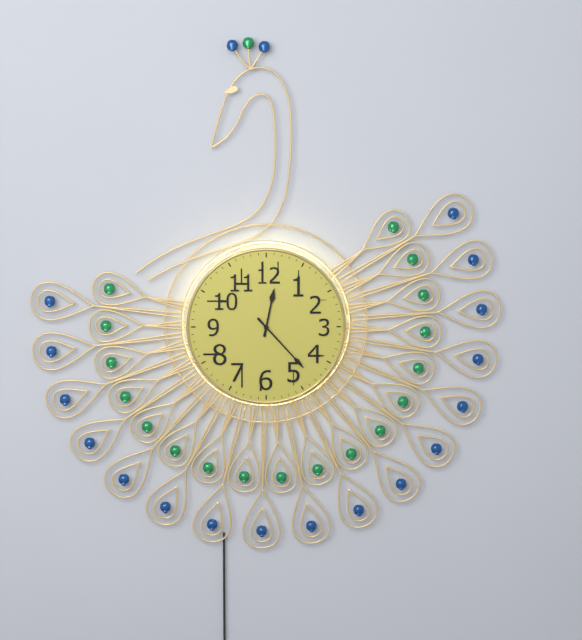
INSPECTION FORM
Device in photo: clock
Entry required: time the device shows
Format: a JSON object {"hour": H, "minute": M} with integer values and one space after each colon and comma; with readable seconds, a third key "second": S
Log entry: {"hour": 12, "minute": 23}
